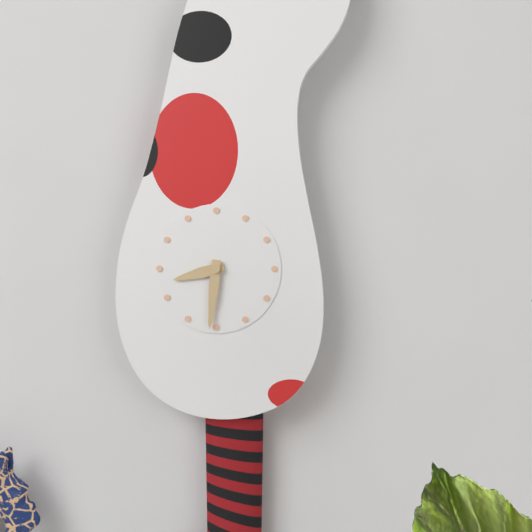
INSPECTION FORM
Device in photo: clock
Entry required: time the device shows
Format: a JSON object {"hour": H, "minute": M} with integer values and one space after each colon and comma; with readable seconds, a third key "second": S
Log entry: {"hour": 8, "minute": 31}
